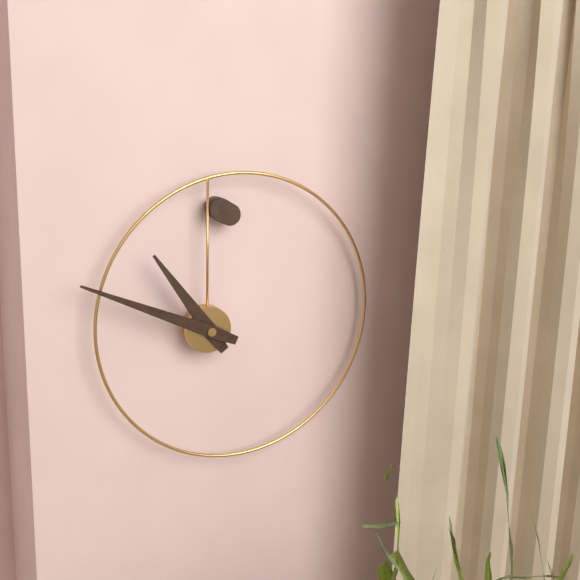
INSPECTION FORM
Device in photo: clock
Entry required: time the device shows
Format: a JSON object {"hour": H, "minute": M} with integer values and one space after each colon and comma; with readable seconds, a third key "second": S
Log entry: {"hour": 10, "minute": 49}
